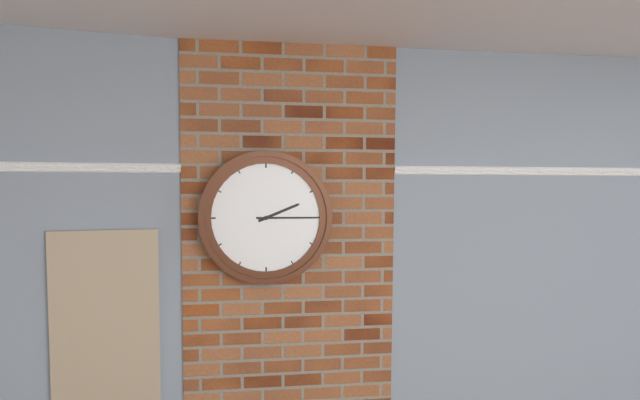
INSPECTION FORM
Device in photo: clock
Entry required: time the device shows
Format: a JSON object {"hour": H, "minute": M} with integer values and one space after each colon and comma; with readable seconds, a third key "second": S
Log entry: {"hour": 2, "minute": 15}
